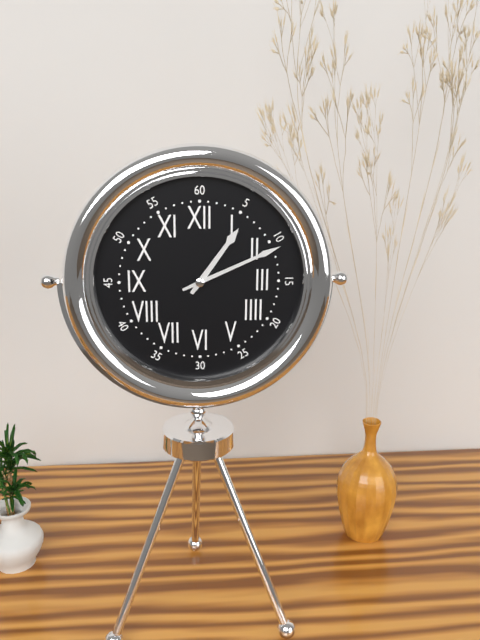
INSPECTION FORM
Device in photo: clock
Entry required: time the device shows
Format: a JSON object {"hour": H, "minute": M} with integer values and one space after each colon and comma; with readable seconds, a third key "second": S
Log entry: {"hour": 1, "minute": 11}
